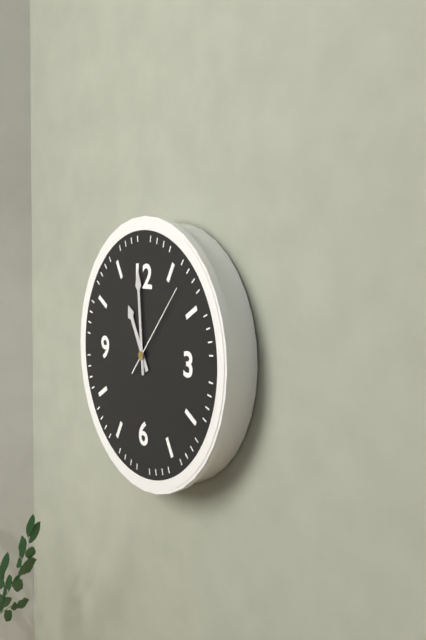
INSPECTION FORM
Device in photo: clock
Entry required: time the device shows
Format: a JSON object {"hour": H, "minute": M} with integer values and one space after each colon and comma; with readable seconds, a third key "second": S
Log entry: {"hour": 10, "minute": 59, "second": 7}
